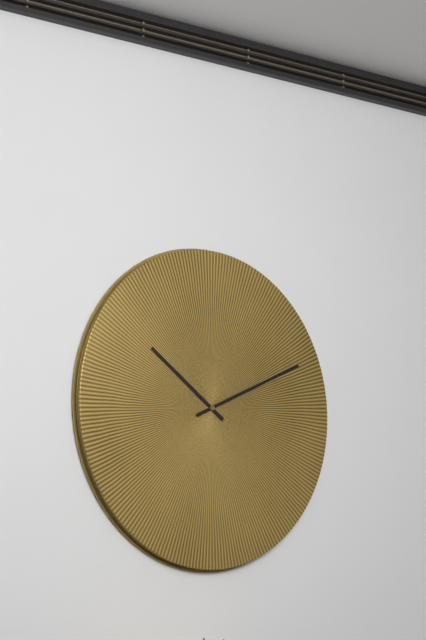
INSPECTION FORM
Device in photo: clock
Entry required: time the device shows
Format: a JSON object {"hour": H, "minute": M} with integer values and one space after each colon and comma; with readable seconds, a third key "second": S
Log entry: {"hour": 10, "minute": 11}
